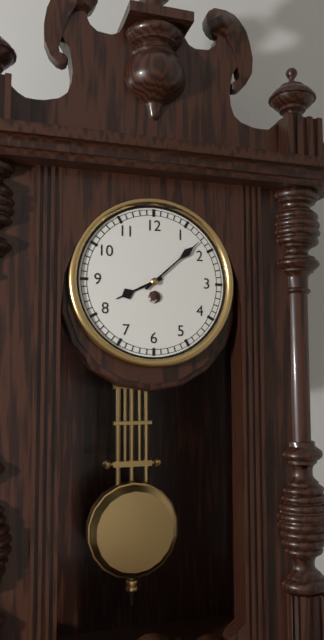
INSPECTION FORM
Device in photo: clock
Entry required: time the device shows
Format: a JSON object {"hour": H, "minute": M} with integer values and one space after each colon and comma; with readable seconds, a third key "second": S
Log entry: {"hour": 8, "minute": 8}
